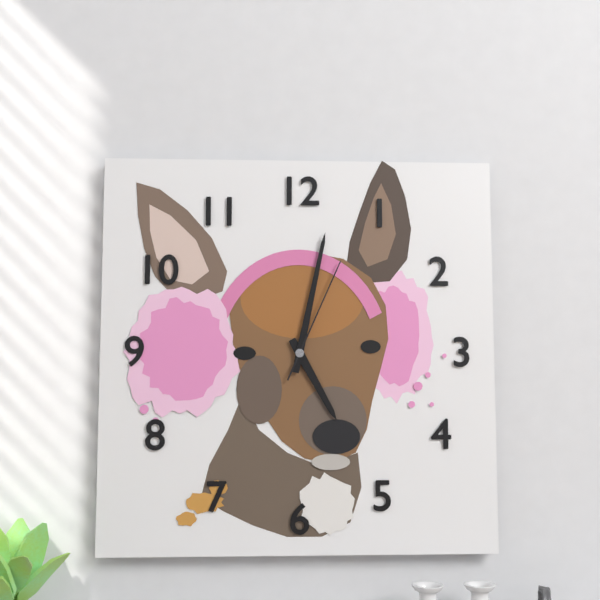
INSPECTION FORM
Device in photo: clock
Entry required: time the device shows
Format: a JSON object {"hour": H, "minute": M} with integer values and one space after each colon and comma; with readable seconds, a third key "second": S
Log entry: {"hour": 5, "minute": 2, "second": 4}
